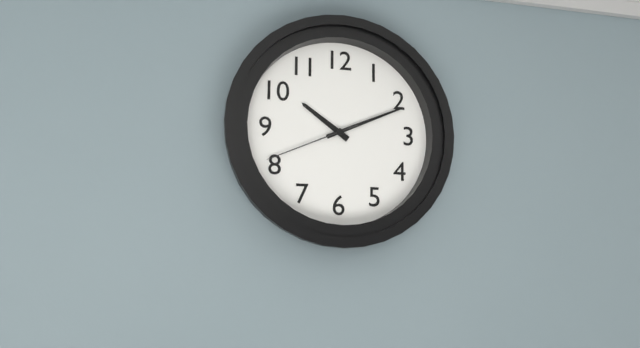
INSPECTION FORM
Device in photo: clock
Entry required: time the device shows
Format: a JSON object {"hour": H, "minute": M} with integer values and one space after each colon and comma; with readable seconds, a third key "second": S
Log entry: {"hour": 10, "minute": 11, "second": 41}
